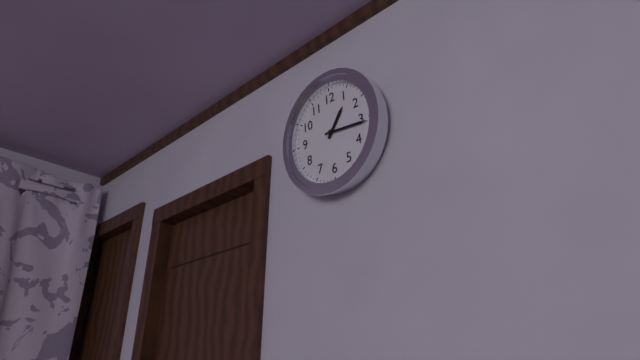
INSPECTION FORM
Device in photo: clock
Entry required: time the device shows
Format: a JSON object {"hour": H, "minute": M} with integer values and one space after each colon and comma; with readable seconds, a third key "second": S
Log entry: {"hour": 1, "minute": 16}
